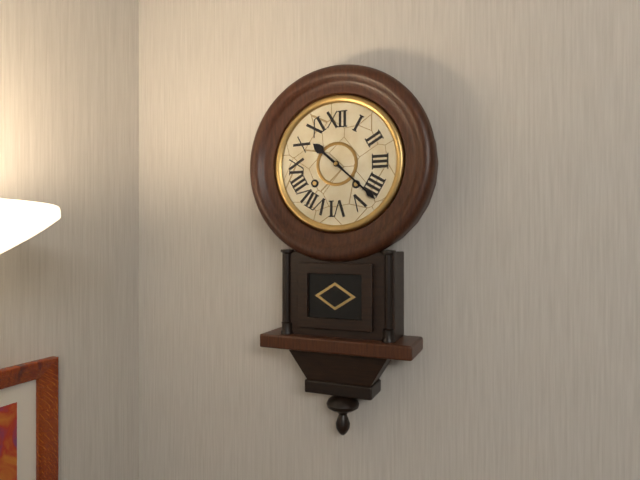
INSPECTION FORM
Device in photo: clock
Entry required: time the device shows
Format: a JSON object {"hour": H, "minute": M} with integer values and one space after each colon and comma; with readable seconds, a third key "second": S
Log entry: {"hour": 10, "minute": 22}
